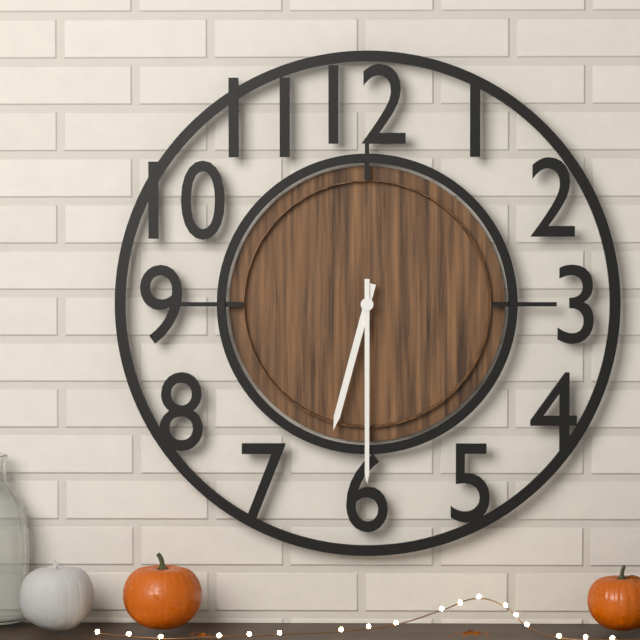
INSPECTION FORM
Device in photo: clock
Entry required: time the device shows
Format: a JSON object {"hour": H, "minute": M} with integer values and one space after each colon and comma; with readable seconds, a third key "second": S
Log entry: {"hour": 6, "minute": 30}
